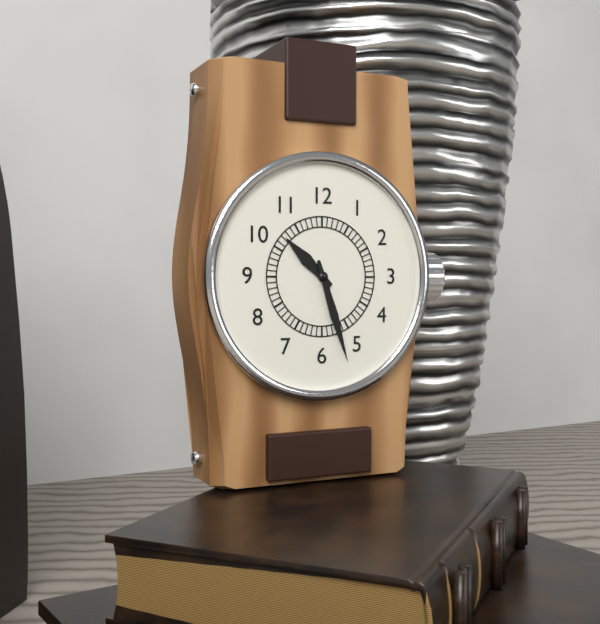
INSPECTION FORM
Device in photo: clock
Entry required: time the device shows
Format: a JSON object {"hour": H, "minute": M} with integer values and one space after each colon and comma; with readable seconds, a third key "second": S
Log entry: {"hour": 10, "minute": 27}
